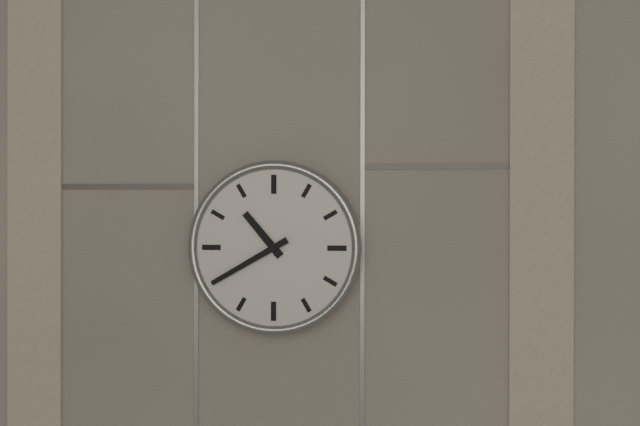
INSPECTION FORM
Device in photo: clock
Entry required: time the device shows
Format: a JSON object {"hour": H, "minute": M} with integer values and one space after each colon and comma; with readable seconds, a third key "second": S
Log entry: {"hour": 10, "minute": 40}
